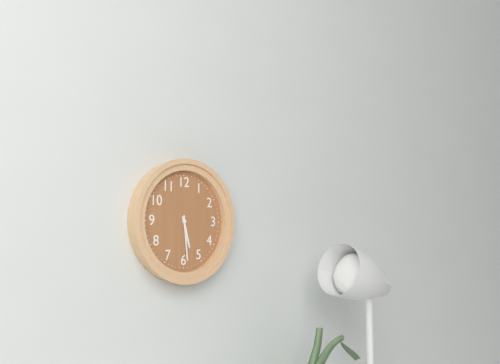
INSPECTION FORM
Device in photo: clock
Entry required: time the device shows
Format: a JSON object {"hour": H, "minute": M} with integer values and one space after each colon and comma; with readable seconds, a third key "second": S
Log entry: {"hour": 5, "minute": 29}
